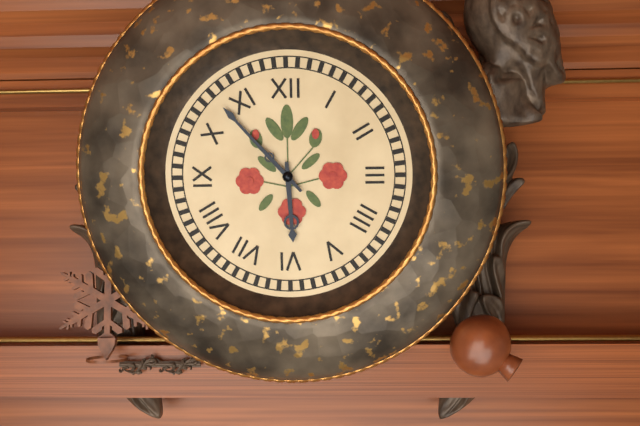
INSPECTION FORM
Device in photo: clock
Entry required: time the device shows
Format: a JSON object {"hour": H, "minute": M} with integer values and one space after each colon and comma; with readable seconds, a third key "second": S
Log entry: {"hour": 5, "minute": 53}
